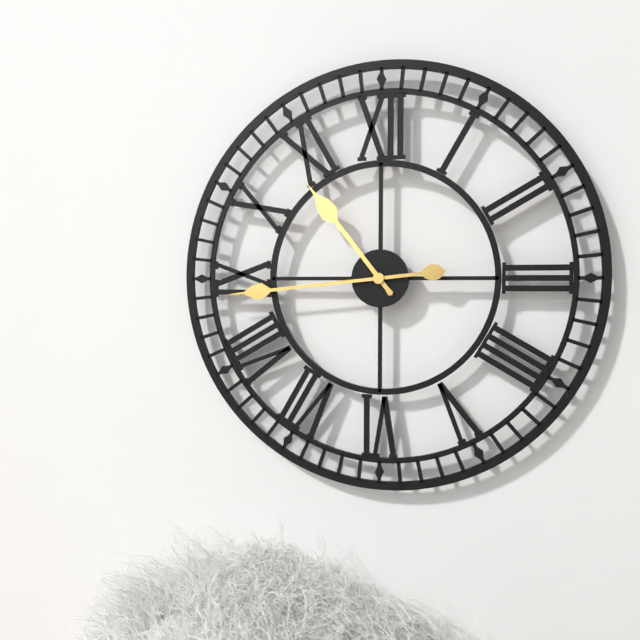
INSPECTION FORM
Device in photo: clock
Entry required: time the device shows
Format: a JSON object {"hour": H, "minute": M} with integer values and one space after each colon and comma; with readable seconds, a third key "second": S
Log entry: {"hour": 10, "minute": 44}
